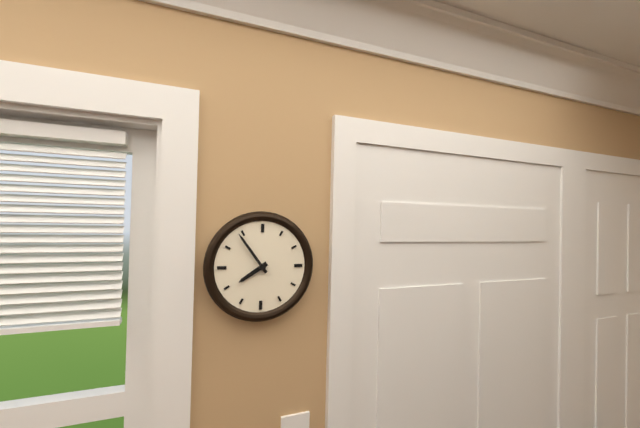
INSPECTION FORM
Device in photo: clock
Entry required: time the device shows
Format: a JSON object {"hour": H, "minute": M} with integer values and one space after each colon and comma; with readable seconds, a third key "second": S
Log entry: {"hour": 7, "minute": 54}
